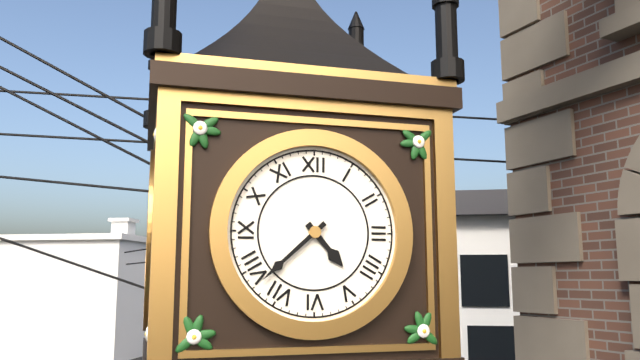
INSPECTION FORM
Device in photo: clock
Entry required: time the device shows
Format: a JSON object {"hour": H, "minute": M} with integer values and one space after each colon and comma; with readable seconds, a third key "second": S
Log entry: {"hour": 4, "minute": 38}
